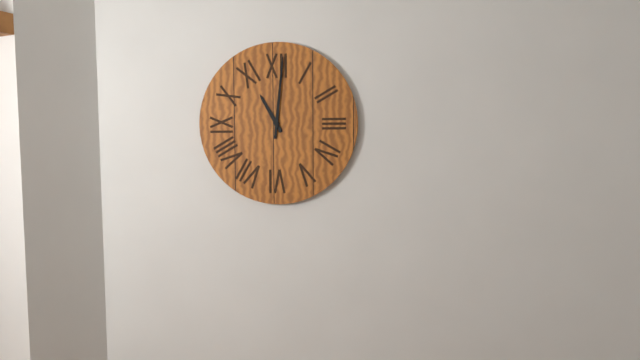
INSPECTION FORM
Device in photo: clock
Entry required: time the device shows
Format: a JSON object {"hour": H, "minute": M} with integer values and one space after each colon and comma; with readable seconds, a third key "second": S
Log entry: {"hour": 11, "minute": 1}
